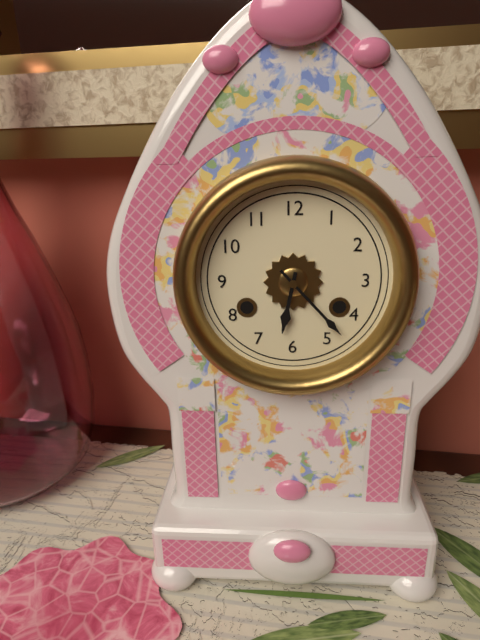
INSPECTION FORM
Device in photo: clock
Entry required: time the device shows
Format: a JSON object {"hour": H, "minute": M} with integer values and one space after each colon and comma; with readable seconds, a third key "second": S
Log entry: {"hour": 6, "minute": 23}
